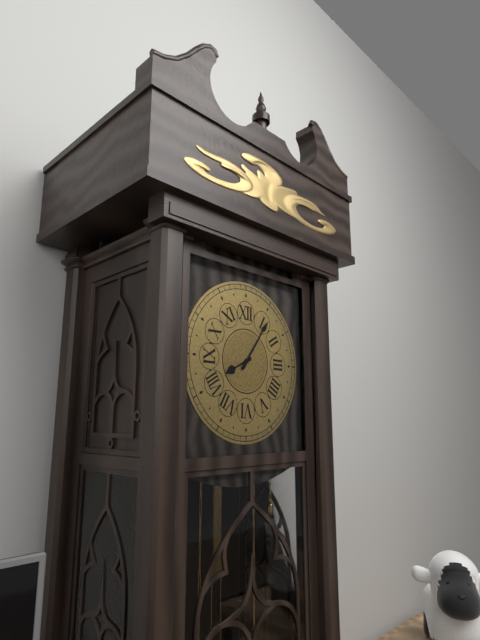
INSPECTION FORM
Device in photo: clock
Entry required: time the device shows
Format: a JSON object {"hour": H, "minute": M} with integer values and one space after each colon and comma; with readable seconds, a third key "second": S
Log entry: {"hour": 8, "minute": 6}
